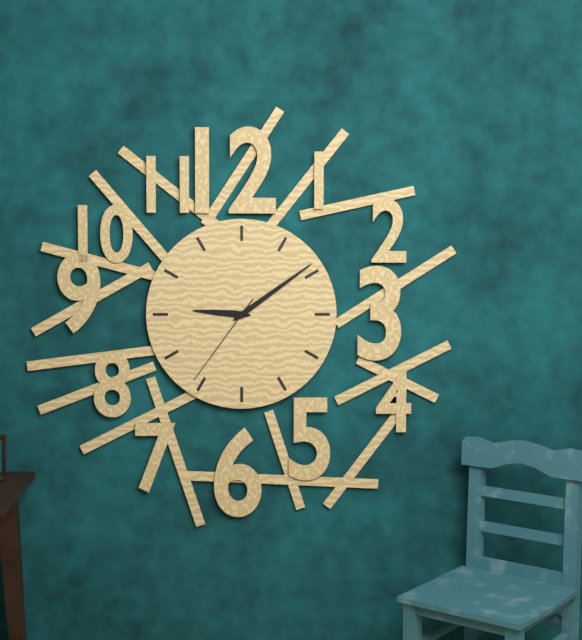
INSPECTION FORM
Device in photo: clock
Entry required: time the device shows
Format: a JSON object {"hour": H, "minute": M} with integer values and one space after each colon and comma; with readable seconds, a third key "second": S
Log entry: {"hour": 9, "minute": 9, "second": 36}
